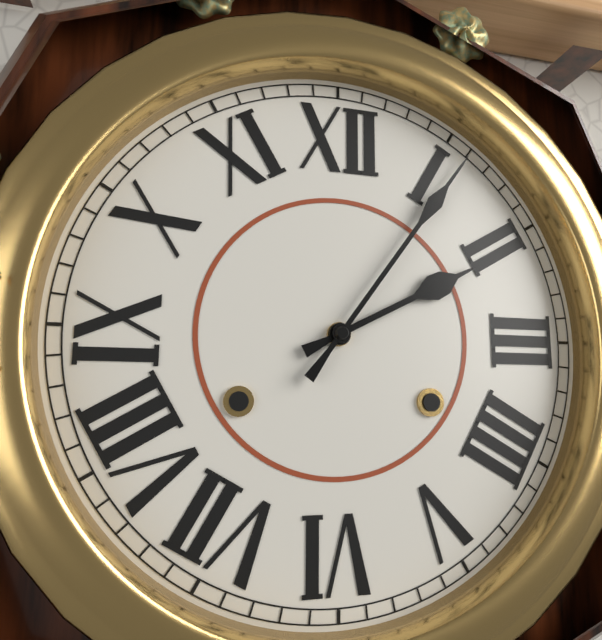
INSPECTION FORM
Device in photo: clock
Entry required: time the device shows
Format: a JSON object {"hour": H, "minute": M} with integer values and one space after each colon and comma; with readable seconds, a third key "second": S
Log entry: {"hour": 2, "minute": 6}
